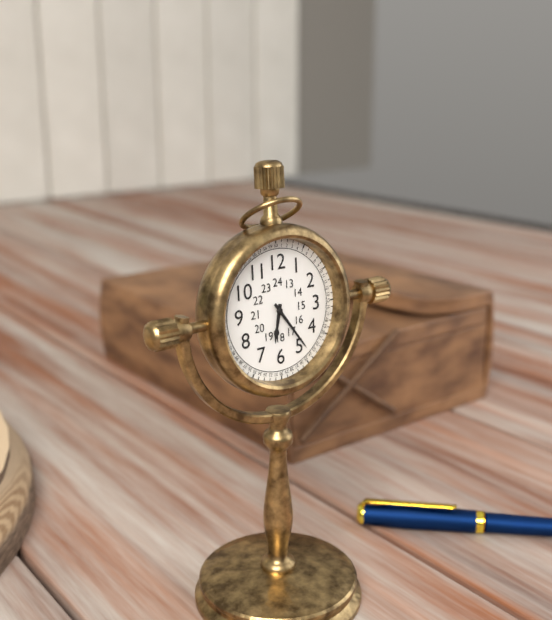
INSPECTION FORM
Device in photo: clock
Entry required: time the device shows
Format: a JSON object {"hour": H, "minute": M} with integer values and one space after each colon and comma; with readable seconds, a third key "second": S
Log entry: {"hour": 6, "minute": 24}
